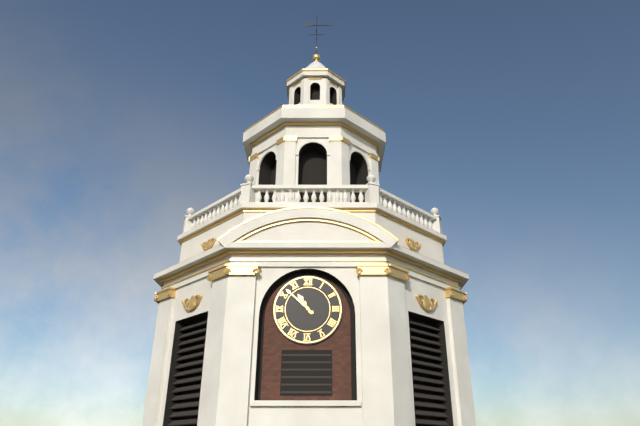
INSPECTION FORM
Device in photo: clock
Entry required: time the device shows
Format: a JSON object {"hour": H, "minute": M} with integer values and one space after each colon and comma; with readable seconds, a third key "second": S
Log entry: {"hour": 10, "minute": 52}
